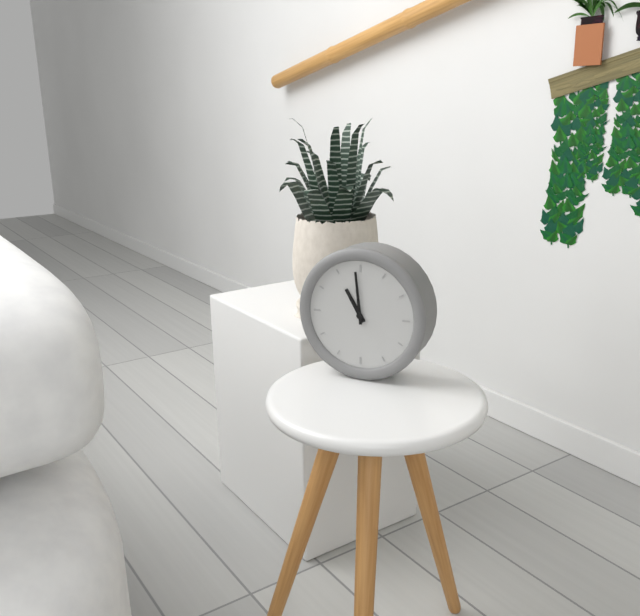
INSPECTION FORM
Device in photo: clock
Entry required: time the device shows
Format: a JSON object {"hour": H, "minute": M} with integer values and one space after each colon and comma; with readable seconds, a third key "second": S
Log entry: {"hour": 10, "minute": 59}
